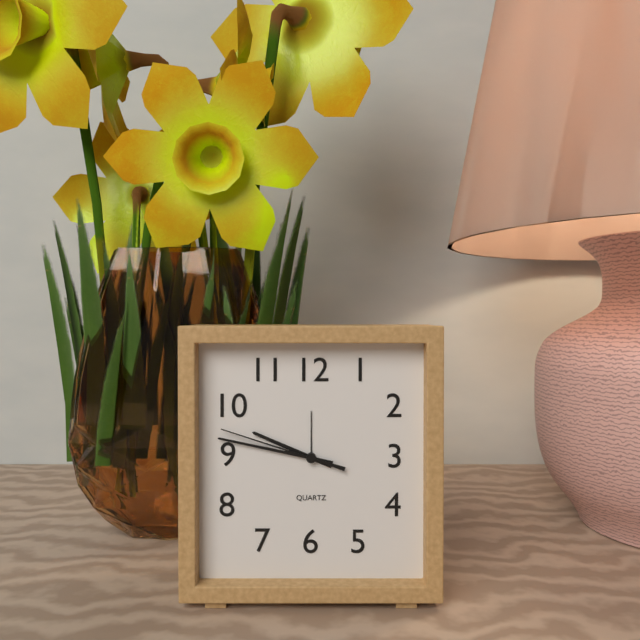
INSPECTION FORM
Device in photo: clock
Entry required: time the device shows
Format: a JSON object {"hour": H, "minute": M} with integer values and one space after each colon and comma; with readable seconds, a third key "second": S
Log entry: {"hour": 9, "minute": 47, "second": 48}
